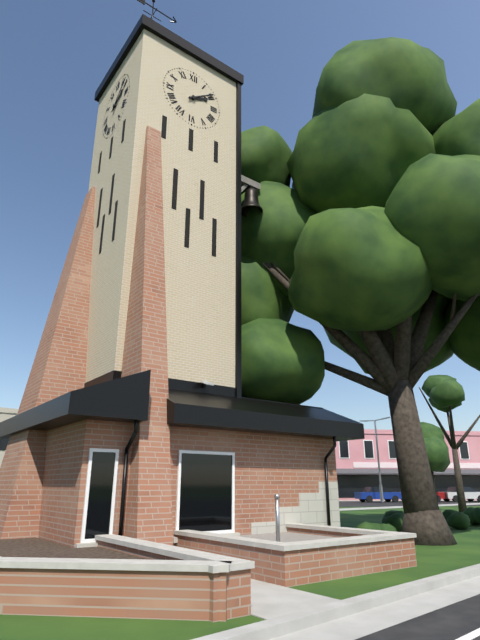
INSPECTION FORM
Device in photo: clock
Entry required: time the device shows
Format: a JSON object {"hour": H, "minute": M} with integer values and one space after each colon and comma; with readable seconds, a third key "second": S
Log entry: {"hour": 2, "minute": 9}
